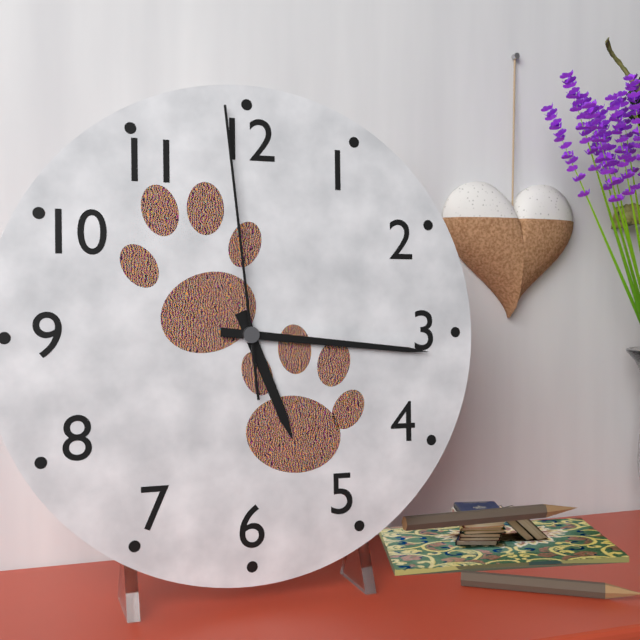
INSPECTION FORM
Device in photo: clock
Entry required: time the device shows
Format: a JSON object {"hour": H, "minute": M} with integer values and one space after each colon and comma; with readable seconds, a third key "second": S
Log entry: {"hour": 5, "minute": 16, "second": 59}
